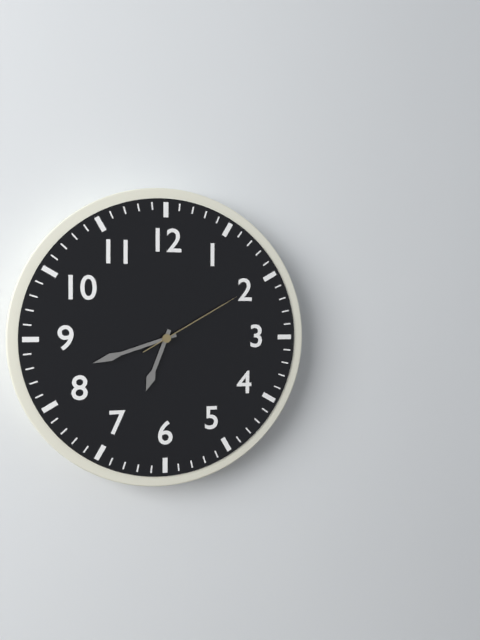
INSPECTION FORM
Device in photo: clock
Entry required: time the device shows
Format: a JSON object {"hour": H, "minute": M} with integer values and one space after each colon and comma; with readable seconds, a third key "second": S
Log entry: {"hour": 6, "minute": 42, "second": 10}
